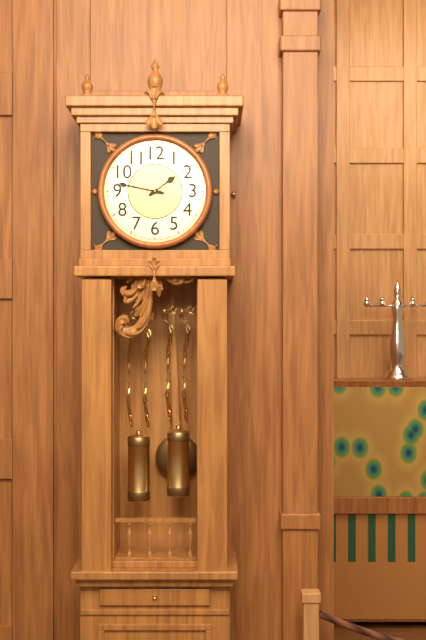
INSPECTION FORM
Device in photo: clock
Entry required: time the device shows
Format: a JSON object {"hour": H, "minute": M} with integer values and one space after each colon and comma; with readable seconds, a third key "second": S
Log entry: {"hour": 1, "minute": 47}
